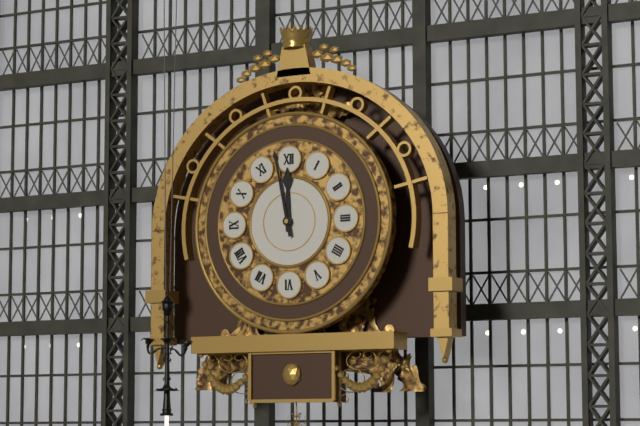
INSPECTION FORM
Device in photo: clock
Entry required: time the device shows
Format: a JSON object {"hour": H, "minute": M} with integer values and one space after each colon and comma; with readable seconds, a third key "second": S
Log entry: {"hour": 11, "minute": 58}
